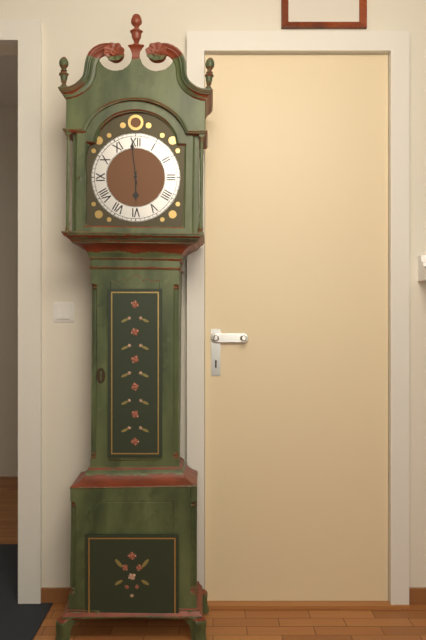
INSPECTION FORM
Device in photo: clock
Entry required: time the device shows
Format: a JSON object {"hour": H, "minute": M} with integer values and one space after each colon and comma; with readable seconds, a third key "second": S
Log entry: {"hour": 5, "minute": 59}
